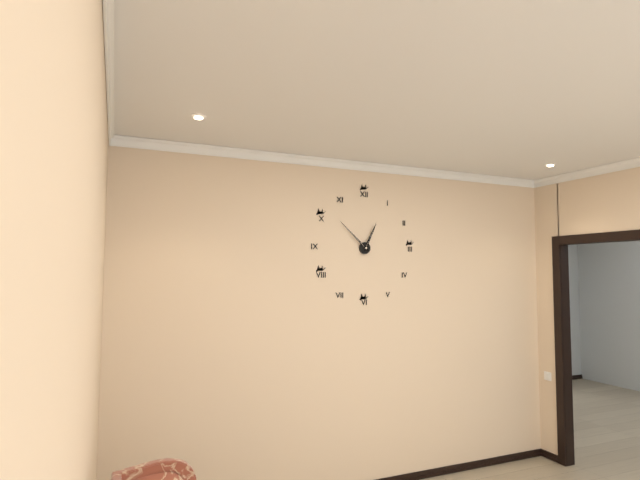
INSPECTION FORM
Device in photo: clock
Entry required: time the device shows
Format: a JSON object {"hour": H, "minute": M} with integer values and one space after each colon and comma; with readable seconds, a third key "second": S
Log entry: {"hour": 12, "minute": 52}
